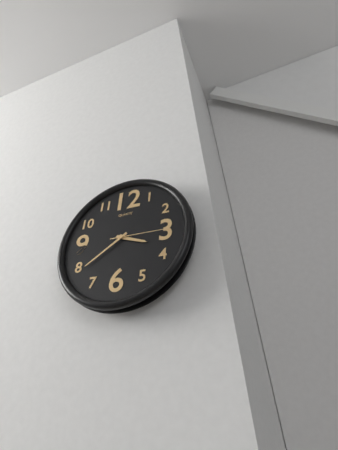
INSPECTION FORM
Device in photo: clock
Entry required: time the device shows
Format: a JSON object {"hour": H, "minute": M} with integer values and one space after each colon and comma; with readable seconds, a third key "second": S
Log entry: {"hour": 3, "minute": 39, "second": 15}
